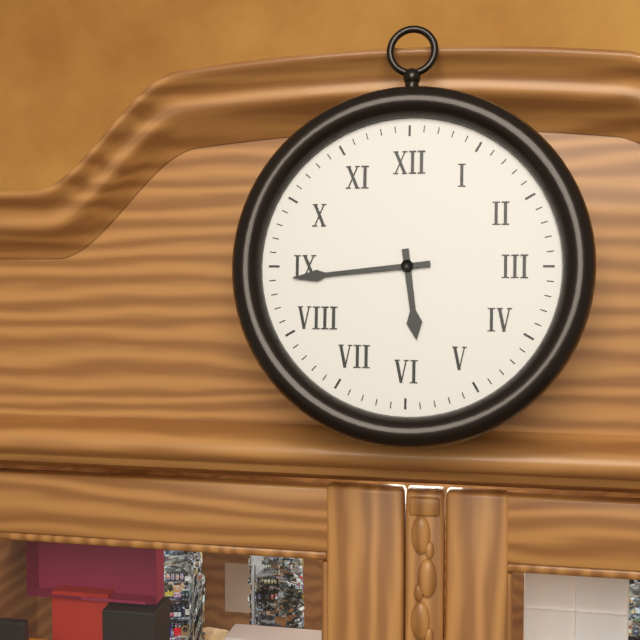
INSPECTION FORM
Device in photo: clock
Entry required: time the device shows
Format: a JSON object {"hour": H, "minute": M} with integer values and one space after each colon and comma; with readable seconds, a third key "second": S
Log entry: {"hour": 5, "minute": 44}
